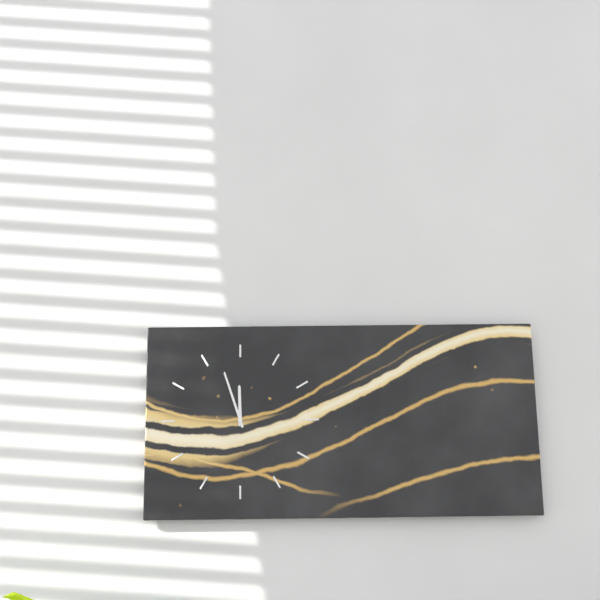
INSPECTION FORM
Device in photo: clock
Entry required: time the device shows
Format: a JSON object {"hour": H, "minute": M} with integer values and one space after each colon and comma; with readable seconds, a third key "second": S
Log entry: {"hour": 11, "minute": 57}
